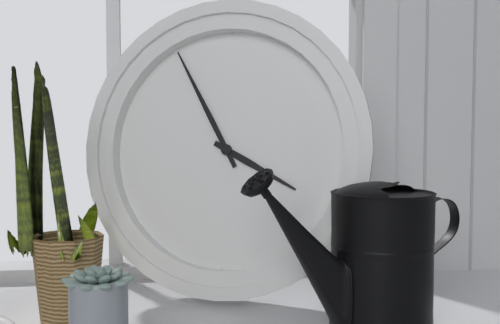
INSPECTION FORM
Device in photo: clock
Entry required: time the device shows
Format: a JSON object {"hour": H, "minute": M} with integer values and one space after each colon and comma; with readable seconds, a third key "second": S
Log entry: {"hour": 3, "minute": 55}
